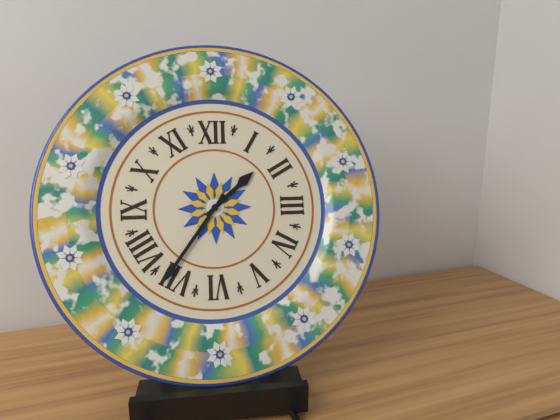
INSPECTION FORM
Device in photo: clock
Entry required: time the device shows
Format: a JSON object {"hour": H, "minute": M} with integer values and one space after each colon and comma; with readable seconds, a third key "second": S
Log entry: {"hour": 1, "minute": 36}
